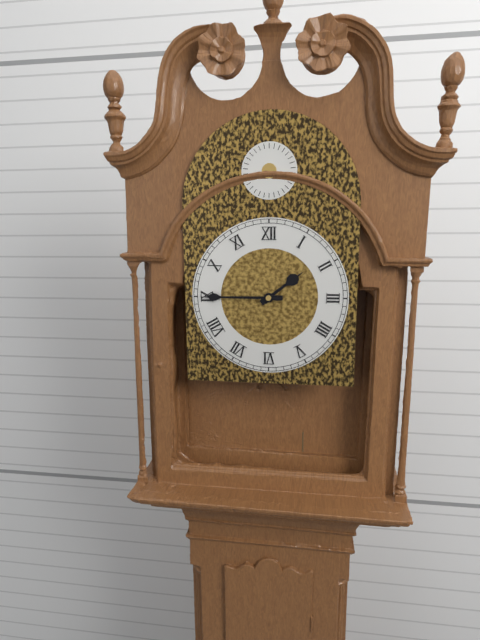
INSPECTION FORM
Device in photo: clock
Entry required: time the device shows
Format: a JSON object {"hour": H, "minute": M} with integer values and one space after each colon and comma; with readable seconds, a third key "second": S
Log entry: {"hour": 1, "minute": 45}
